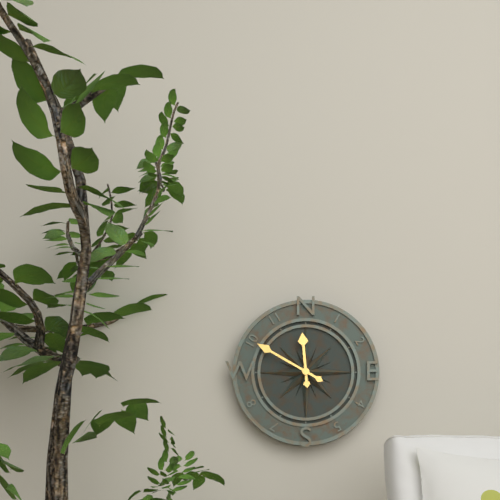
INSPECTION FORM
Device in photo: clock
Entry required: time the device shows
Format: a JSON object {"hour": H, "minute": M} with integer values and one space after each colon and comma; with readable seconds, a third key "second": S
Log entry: {"hour": 11, "minute": 50}
